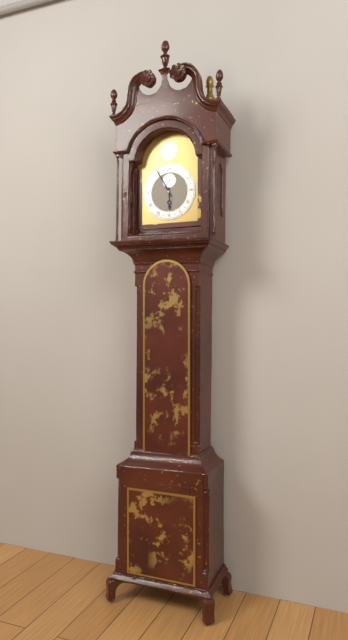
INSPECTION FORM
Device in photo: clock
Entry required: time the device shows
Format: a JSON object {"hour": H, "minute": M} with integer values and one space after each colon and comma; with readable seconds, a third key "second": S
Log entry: {"hour": 5, "minute": 55}
